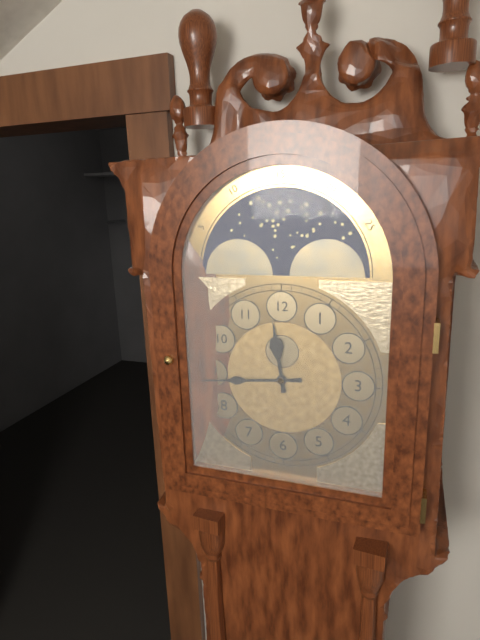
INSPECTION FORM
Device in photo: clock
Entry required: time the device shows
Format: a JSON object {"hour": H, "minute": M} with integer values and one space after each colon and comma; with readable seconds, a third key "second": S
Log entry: {"hour": 11, "minute": 44}
